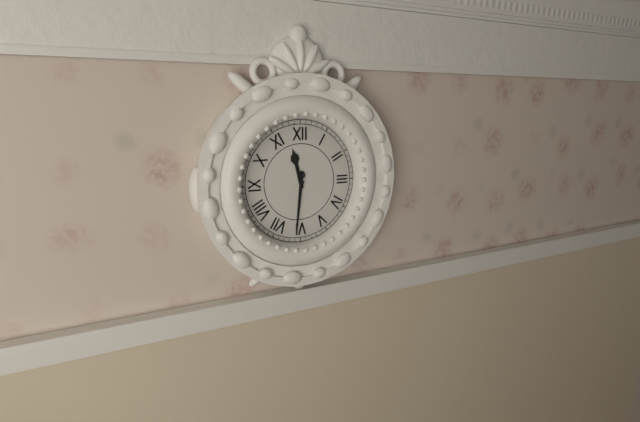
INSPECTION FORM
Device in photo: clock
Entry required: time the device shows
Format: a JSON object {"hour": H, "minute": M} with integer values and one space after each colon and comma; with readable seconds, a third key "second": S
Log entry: {"hour": 11, "minute": 31}
